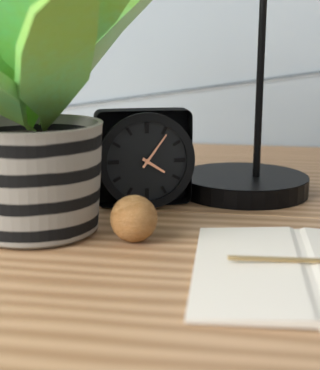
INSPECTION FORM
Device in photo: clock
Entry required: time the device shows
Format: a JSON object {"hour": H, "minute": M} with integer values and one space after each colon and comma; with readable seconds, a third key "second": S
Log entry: {"hour": 4, "minute": 6}
